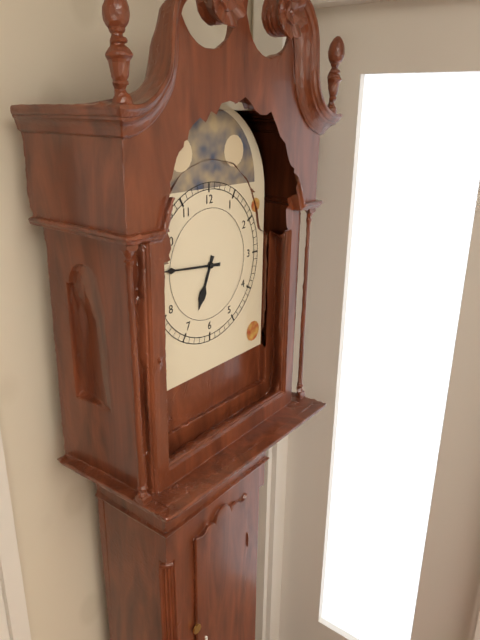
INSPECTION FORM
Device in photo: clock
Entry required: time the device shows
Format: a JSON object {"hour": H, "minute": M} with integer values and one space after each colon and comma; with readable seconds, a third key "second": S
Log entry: {"hour": 6, "minute": 46}
